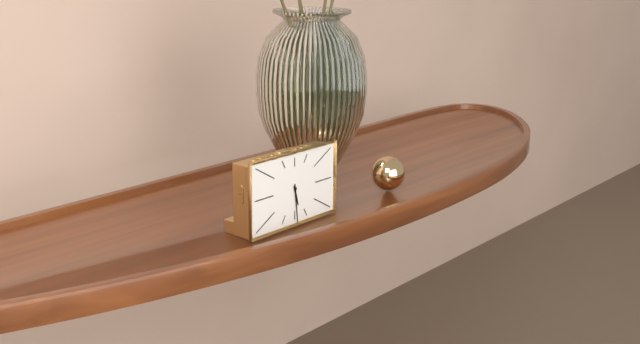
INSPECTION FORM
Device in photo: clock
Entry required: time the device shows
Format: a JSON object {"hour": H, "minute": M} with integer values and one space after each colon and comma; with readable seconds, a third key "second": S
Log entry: {"hour": 5, "minute": 29}
